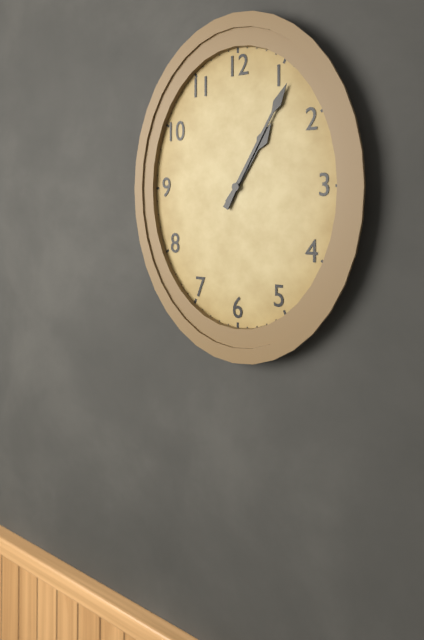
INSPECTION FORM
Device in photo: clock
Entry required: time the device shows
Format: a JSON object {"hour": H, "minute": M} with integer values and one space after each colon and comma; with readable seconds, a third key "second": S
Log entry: {"hour": 1, "minute": 5}
